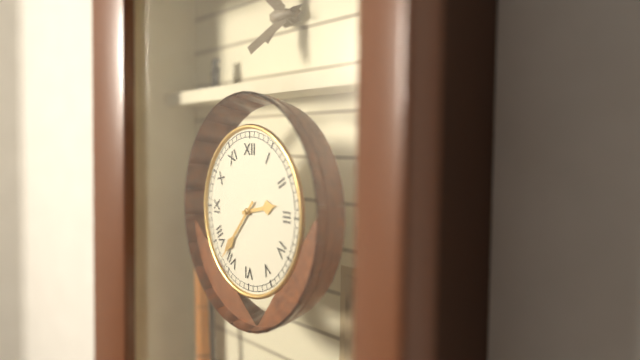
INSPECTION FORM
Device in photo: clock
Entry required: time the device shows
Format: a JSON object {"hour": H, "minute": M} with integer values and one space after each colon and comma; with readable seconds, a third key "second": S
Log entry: {"hour": 2, "minute": 37}
